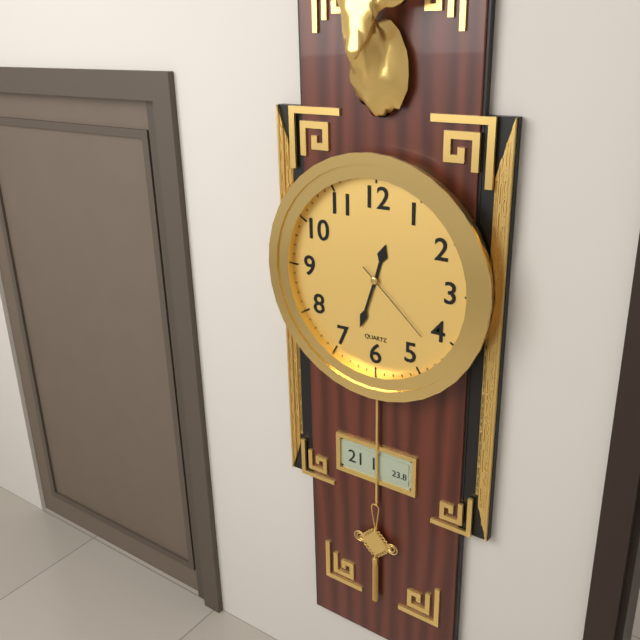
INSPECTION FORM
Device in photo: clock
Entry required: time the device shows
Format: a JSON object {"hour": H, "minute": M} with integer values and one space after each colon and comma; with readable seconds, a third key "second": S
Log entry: {"hour": 12, "minute": 33, "second": 22}
